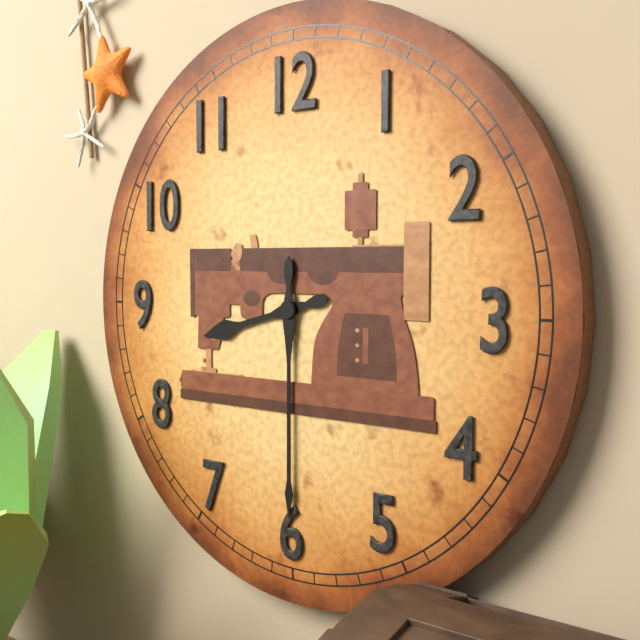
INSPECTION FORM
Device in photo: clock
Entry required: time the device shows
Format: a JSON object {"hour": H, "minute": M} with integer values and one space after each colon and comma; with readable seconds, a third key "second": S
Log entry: {"hour": 8, "minute": 30}
